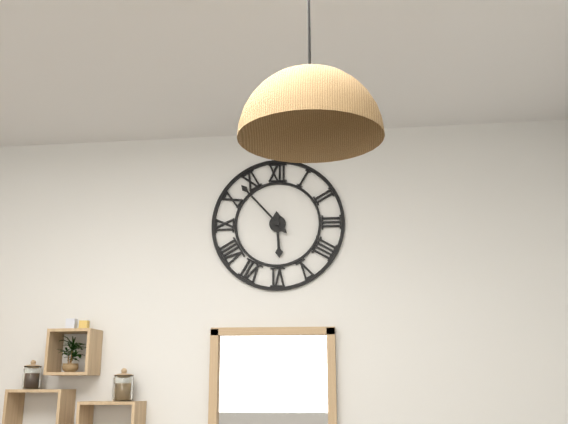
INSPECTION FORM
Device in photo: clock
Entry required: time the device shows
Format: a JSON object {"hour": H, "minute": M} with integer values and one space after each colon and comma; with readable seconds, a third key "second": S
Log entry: {"hour": 5, "minute": 53}
